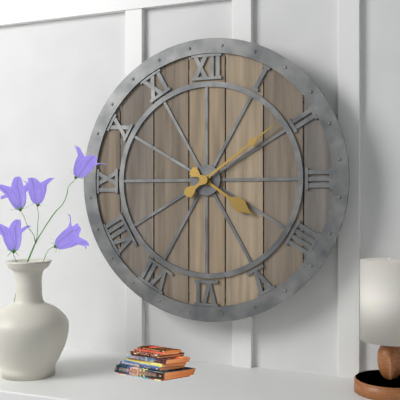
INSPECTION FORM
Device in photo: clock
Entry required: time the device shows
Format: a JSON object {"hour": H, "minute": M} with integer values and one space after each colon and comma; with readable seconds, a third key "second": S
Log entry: {"hour": 4, "minute": 9}
